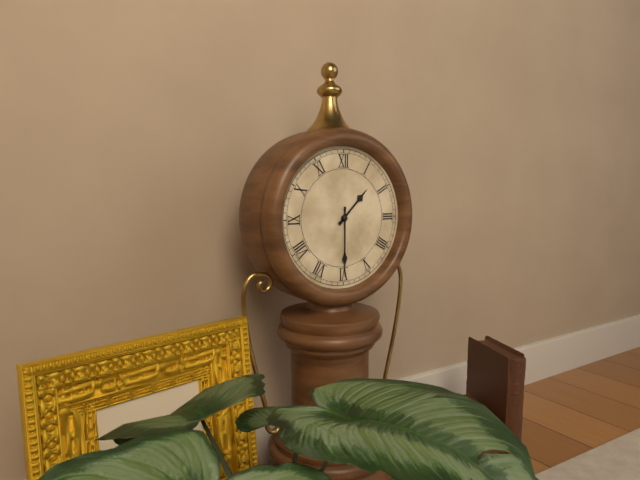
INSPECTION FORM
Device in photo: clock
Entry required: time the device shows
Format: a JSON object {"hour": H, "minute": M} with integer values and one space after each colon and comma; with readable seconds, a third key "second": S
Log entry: {"hour": 1, "minute": 30}
